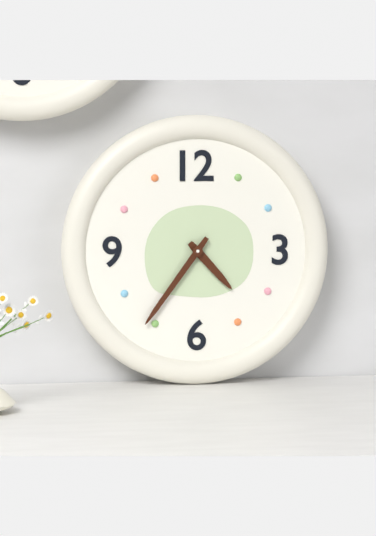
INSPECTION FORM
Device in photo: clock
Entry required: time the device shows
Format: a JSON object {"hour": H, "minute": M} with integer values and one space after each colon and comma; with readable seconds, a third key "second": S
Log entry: {"hour": 4, "minute": 36}
